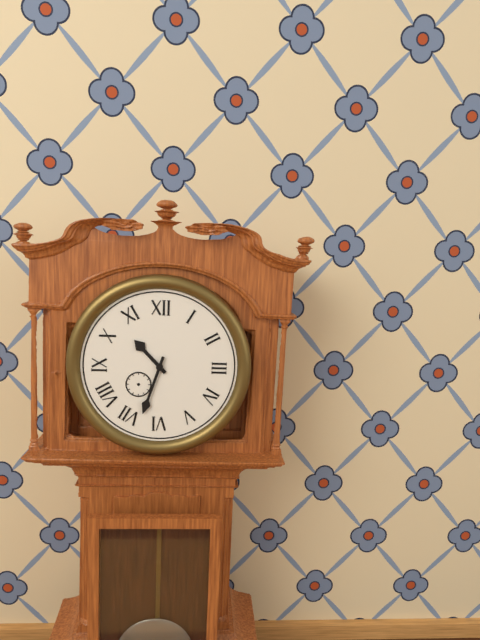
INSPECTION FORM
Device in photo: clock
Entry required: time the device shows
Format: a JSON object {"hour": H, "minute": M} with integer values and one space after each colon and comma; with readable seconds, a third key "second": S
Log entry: {"hour": 10, "minute": 33}
